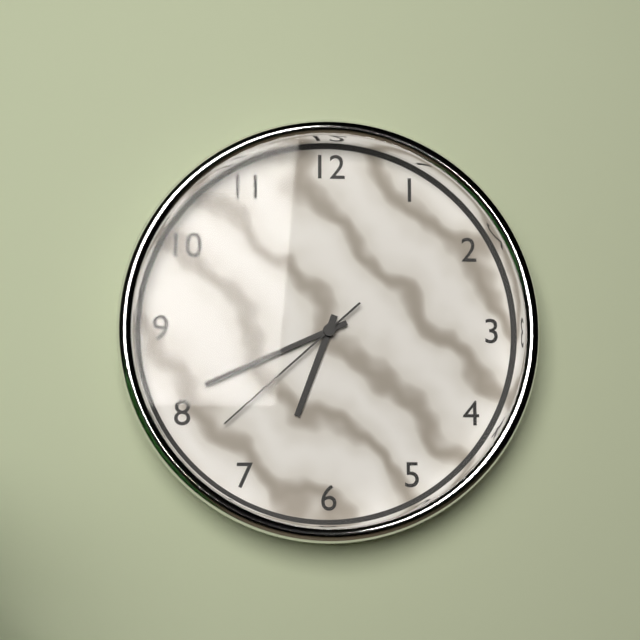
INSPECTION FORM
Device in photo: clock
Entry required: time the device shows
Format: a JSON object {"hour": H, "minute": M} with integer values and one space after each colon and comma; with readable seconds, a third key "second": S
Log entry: {"hour": 6, "minute": 41, "second": 38}
